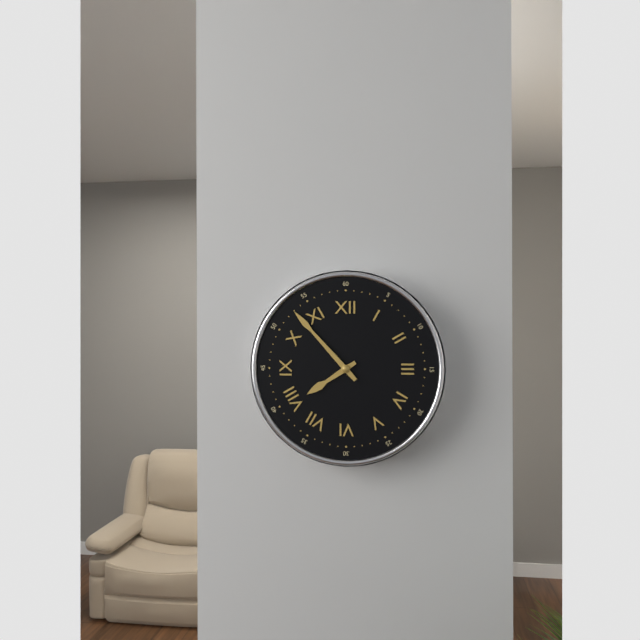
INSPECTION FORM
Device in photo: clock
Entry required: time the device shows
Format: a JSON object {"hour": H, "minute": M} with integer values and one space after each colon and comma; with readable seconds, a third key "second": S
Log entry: {"hour": 7, "minute": 53}
